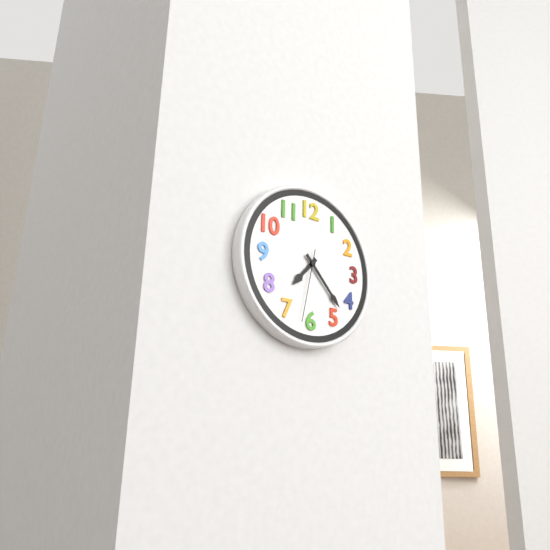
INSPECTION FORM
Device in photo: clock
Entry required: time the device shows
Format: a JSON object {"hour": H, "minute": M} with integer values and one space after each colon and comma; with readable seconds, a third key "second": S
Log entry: {"hour": 7, "minute": 23, "second": 32}
